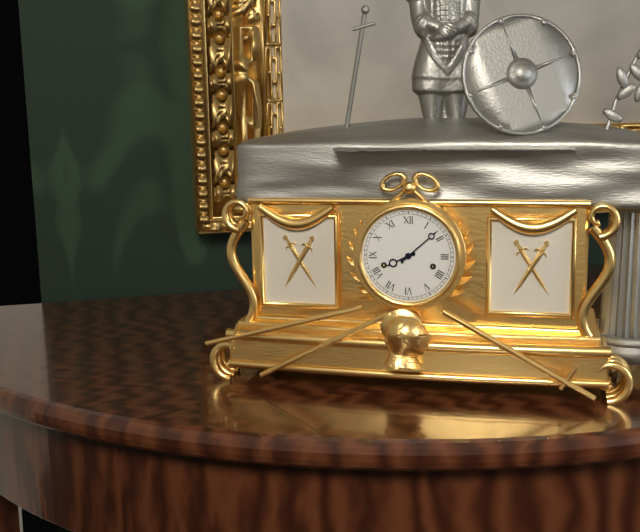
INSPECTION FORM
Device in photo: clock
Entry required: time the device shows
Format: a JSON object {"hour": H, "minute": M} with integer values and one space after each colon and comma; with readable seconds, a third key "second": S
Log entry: {"hour": 8, "minute": 8}
